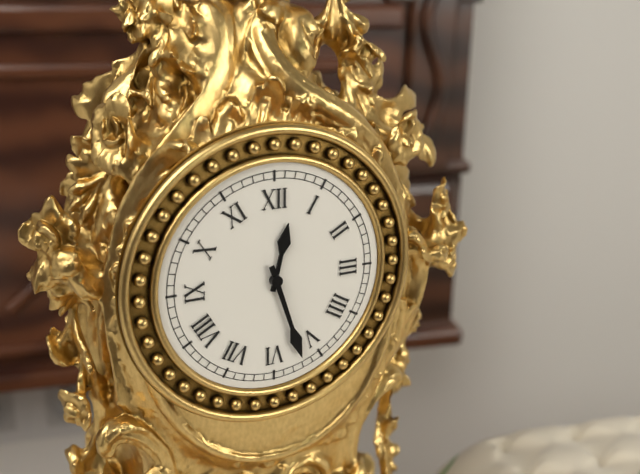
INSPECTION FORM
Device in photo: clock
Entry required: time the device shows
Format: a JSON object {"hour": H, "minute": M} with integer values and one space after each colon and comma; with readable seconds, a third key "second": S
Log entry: {"hour": 12, "minute": 27}
